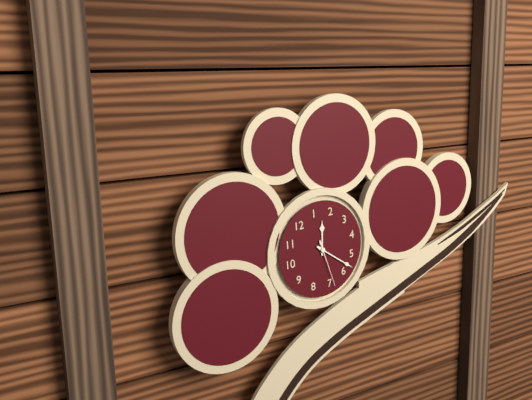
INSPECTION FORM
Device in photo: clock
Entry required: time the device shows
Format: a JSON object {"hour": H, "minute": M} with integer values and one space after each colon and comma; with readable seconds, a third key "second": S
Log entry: {"hour": 1, "minute": 28}
